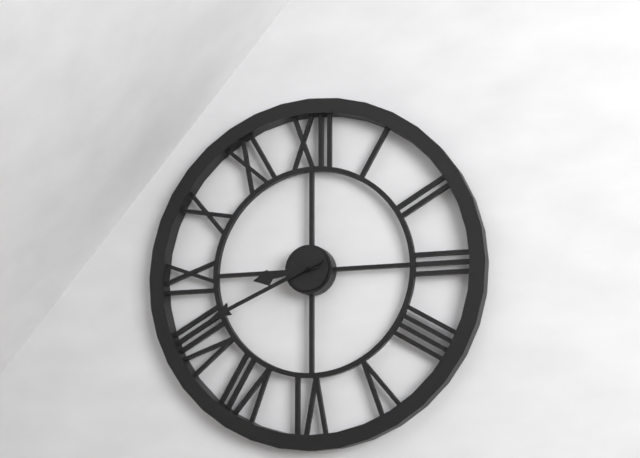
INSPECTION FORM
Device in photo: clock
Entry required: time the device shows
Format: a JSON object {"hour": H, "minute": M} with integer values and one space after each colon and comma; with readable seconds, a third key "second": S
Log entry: {"hour": 8, "minute": 41}
